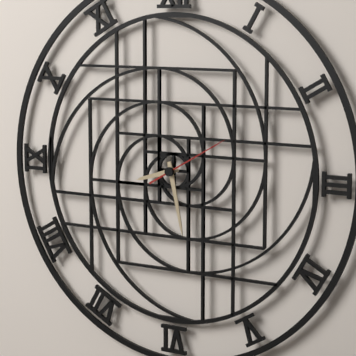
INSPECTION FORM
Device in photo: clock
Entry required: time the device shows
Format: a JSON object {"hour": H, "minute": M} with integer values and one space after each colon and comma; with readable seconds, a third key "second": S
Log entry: {"hour": 8, "minute": 28, "second": 10}
